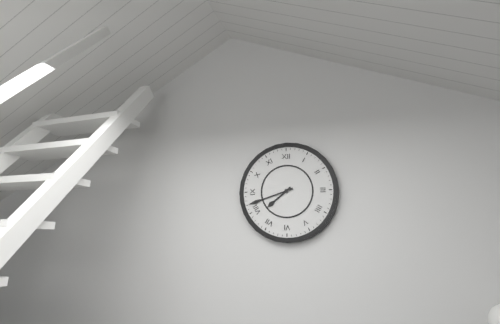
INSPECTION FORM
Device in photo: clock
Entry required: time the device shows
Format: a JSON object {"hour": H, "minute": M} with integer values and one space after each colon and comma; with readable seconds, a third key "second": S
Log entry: {"hour": 7, "minute": 42}
